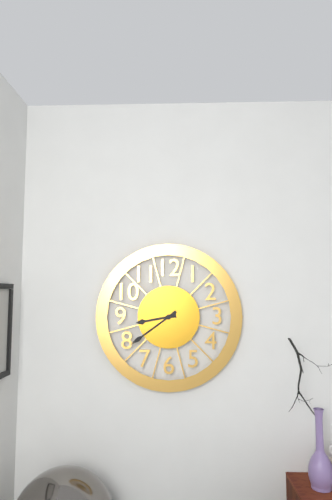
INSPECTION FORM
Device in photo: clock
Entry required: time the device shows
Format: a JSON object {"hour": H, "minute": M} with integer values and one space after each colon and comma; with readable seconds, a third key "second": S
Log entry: {"hour": 8, "minute": 39}
